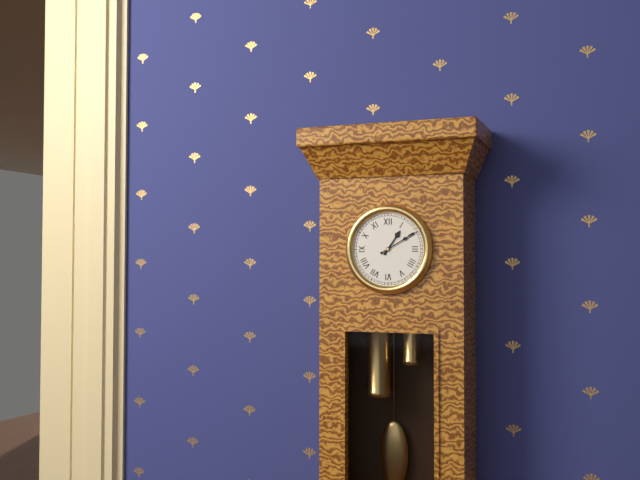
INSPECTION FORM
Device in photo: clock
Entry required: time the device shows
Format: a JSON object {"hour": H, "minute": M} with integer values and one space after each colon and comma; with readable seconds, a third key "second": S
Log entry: {"hour": 1, "minute": 10}
